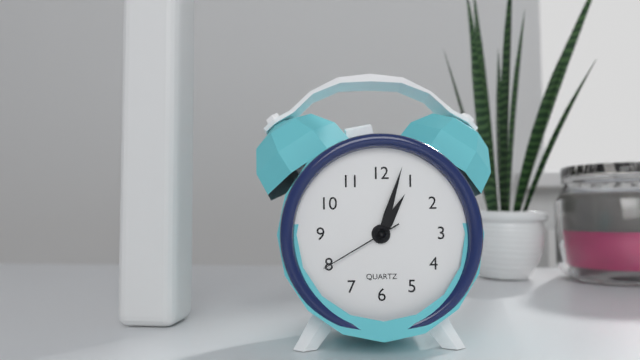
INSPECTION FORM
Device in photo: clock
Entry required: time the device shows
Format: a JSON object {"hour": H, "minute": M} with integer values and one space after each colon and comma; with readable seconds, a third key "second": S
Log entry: {"hour": 1, "minute": 3, "second": 40}
